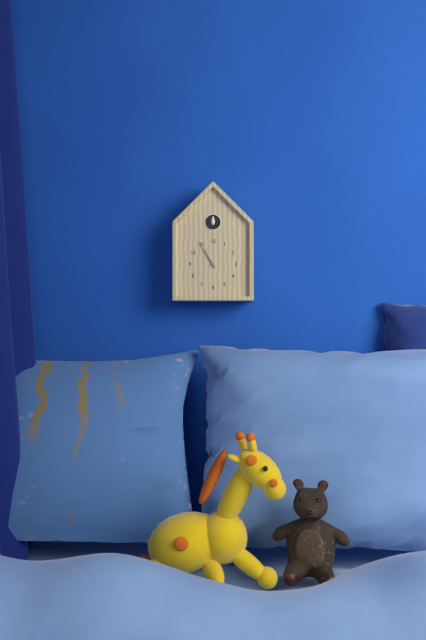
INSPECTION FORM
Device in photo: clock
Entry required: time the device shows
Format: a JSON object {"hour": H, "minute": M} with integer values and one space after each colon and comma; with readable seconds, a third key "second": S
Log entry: {"hour": 10, "minute": 55}
